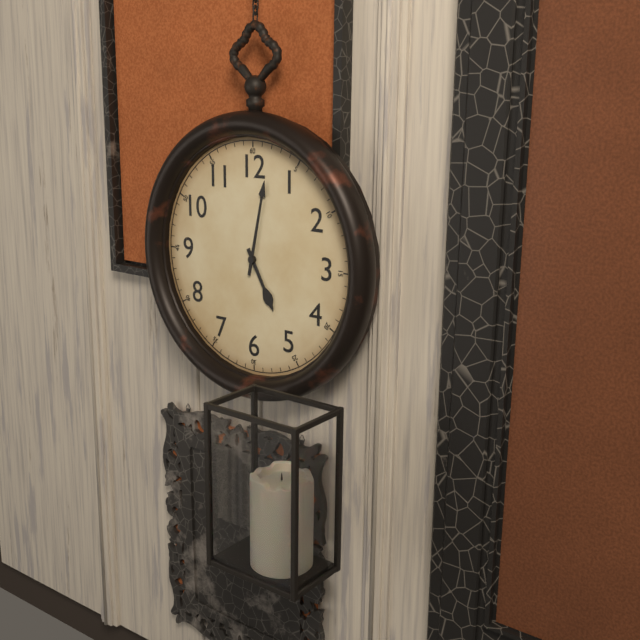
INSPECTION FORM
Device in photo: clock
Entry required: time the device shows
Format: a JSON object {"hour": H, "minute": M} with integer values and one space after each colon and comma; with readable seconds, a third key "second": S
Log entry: {"hour": 5, "minute": 2}
